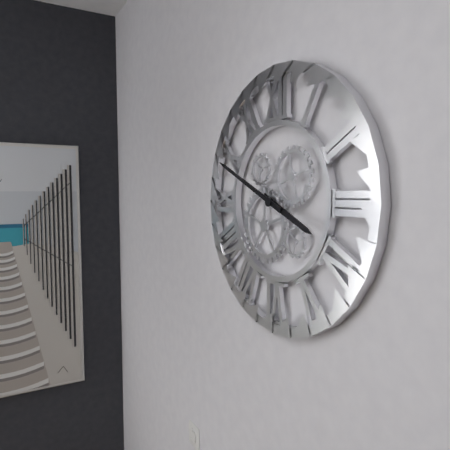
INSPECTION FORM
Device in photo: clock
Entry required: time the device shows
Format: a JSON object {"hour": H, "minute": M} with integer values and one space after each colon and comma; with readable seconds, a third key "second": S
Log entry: {"hour": 3, "minute": 49}
